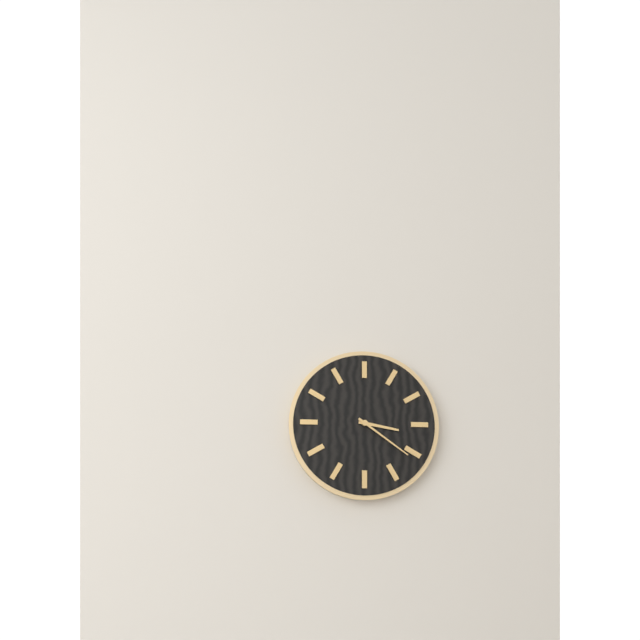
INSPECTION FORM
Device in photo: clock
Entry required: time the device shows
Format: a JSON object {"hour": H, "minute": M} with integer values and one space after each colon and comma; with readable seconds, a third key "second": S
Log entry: {"hour": 3, "minute": 21}
